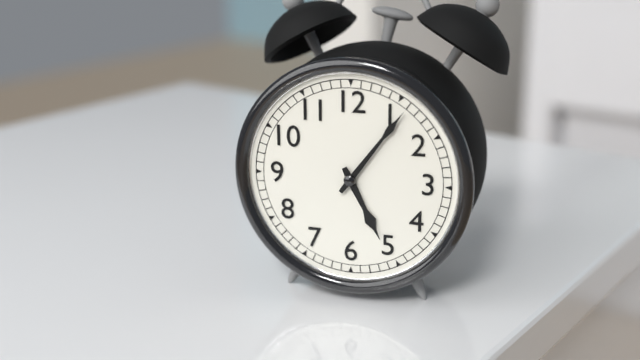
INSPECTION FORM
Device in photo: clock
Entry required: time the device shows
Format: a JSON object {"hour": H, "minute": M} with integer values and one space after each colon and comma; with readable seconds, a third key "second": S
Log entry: {"hour": 5, "minute": 6}
